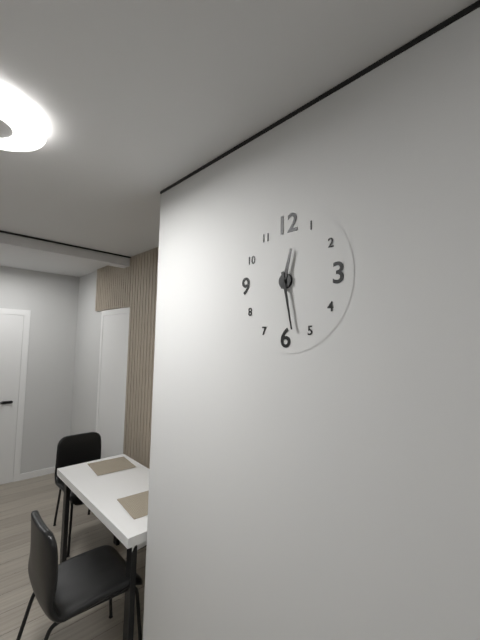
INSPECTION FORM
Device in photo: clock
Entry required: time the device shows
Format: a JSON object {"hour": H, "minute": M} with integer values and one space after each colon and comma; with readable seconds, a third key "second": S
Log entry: {"hour": 12, "minute": 28}
